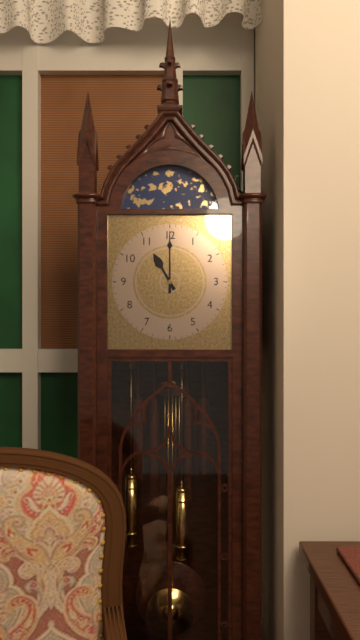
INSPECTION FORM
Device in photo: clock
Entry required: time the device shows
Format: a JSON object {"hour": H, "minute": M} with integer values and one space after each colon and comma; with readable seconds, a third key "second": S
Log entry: {"hour": 11, "minute": 0}
